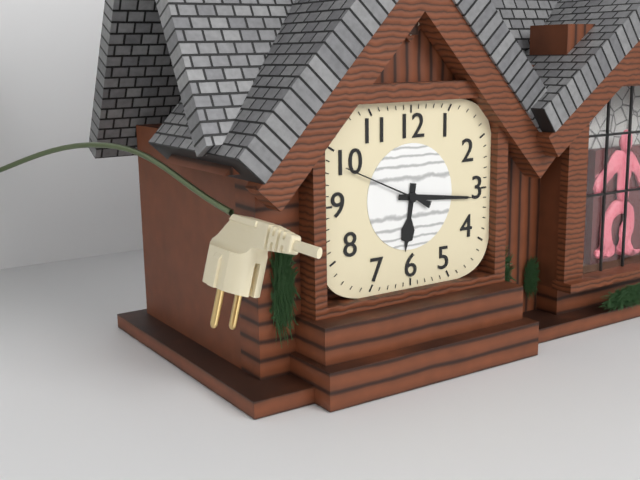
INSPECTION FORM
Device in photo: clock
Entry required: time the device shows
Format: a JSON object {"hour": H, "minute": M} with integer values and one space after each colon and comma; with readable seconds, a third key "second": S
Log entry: {"hour": 6, "minute": 16, "second": 49}
